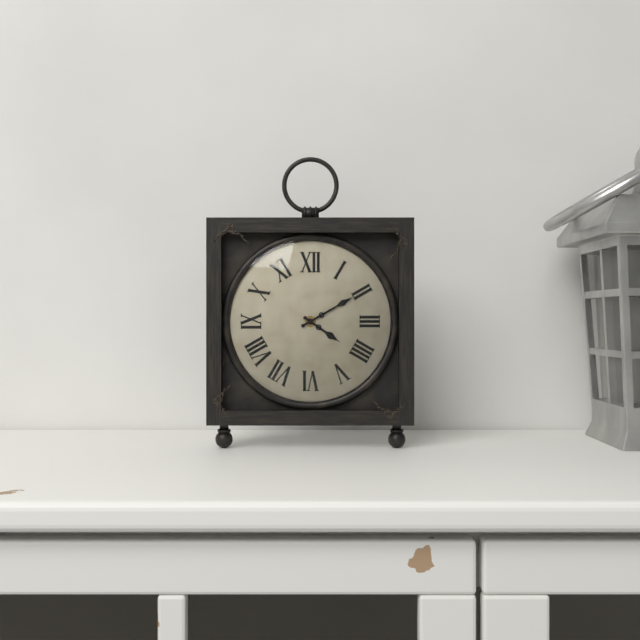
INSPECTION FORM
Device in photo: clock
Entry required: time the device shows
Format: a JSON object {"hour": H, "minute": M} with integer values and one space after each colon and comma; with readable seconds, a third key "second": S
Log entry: {"hour": 4, "minute": 10}
